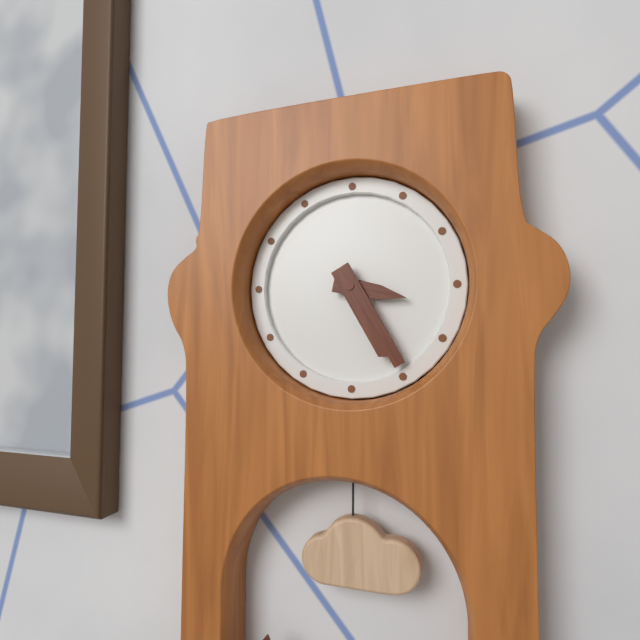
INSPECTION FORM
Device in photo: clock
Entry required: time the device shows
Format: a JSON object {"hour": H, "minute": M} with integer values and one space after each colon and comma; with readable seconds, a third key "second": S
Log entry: {"hour": 3, "minute": 25}
